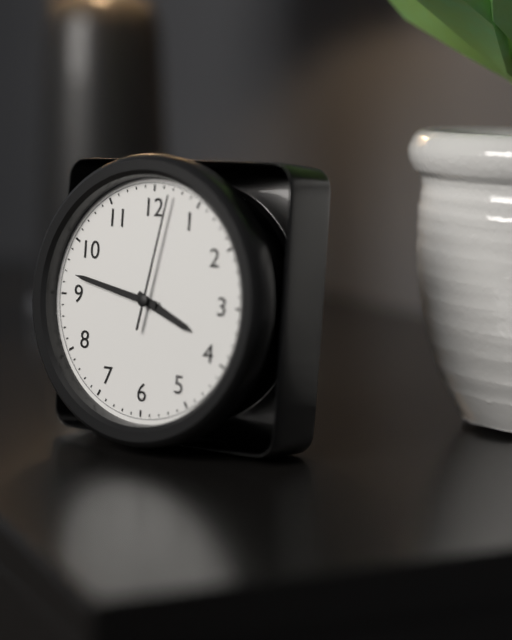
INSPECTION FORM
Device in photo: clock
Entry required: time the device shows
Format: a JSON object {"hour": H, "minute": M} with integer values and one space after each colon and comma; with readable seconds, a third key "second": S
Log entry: {"hour": 3, "minute": 47, "second": 2}
